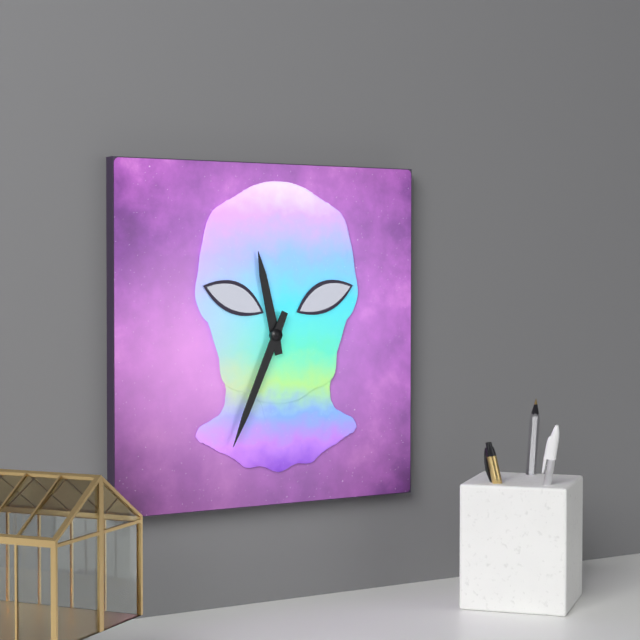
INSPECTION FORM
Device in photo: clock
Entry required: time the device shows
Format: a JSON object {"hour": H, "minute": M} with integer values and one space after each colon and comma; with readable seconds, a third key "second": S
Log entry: {"hour": 11, "minute": 34}
